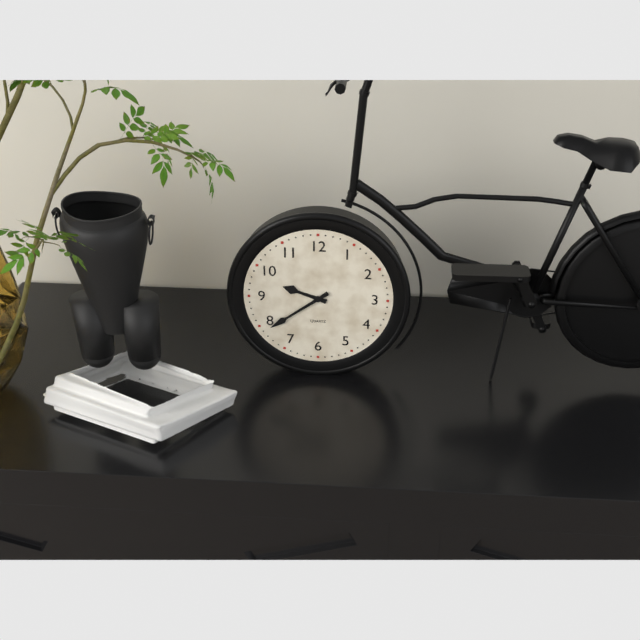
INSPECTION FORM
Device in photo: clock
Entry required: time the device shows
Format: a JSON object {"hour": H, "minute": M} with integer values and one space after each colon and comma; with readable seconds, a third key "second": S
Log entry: {"hour": 9, "minute": 39}
